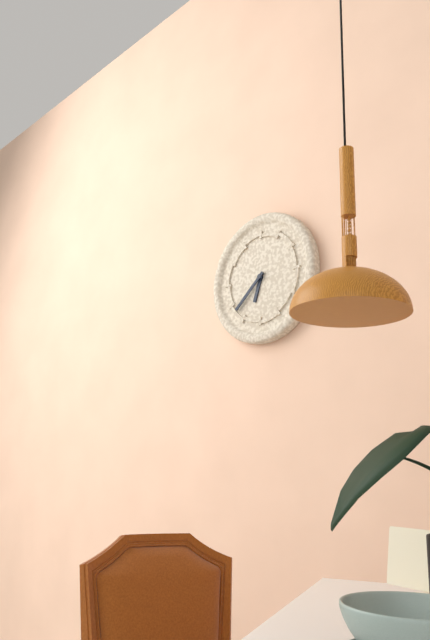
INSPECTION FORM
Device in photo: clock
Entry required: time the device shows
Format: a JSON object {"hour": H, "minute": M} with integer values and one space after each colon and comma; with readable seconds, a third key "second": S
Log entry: {"hour": 6, "minute": 38}
